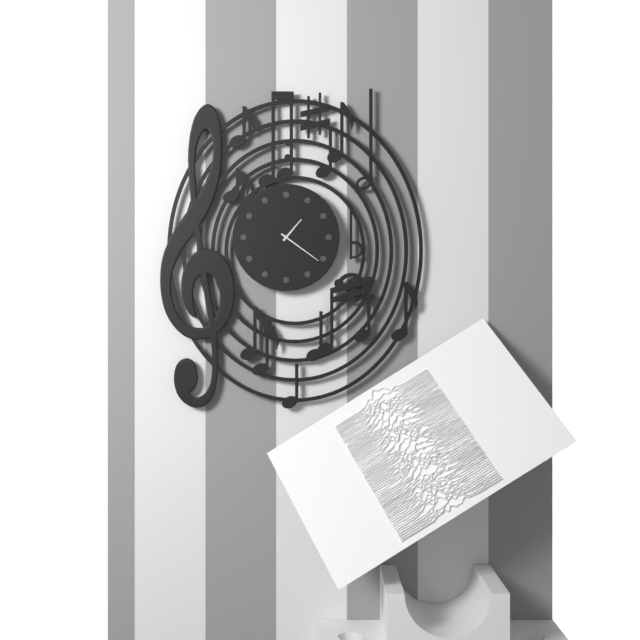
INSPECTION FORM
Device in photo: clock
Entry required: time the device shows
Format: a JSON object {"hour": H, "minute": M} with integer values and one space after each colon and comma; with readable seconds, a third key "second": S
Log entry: {"hour": 1, "minute": 21}
